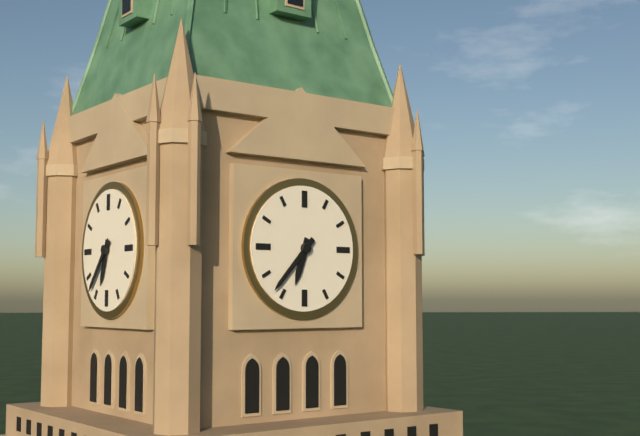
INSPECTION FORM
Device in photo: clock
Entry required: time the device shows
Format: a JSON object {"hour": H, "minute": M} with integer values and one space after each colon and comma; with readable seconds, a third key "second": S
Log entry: {"hour": 6, "minute": 37}
